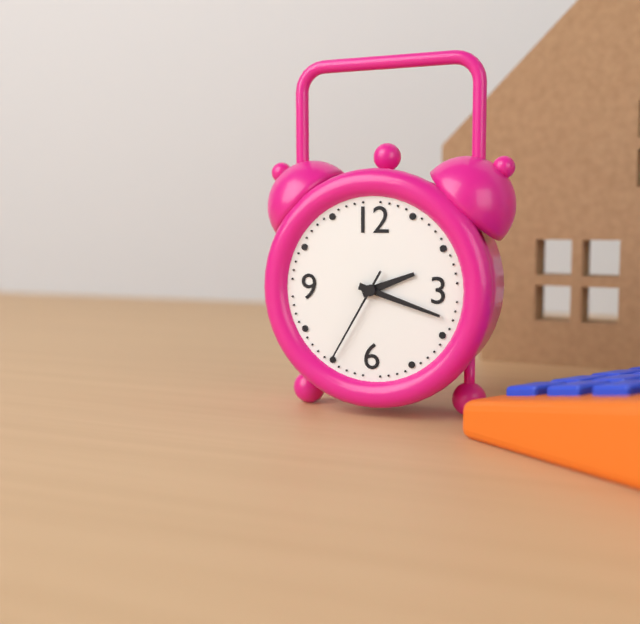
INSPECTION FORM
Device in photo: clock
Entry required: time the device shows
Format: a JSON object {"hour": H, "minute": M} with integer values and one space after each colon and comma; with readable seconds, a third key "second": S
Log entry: {"hour": 2, "minute": 18, "second": 35}
